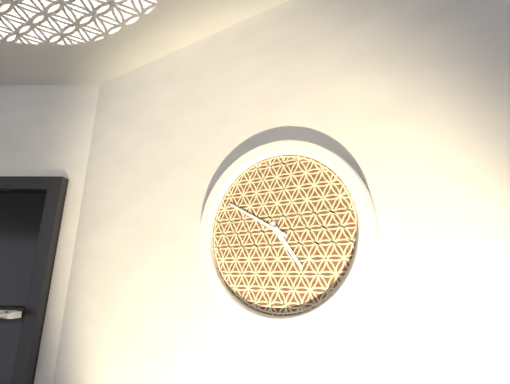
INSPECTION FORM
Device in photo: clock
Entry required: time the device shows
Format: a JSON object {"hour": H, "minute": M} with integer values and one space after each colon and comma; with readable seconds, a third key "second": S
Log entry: {"hour": 4, "minute": 50}
